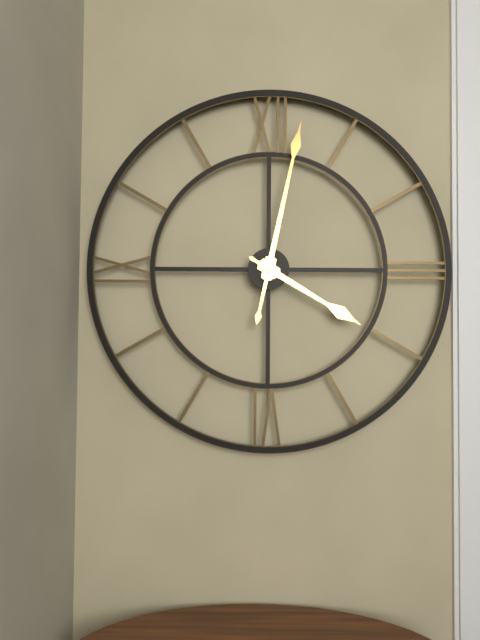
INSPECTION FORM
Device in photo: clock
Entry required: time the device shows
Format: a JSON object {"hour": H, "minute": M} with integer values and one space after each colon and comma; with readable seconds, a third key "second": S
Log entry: {"hour": 4, "minute": 2}
